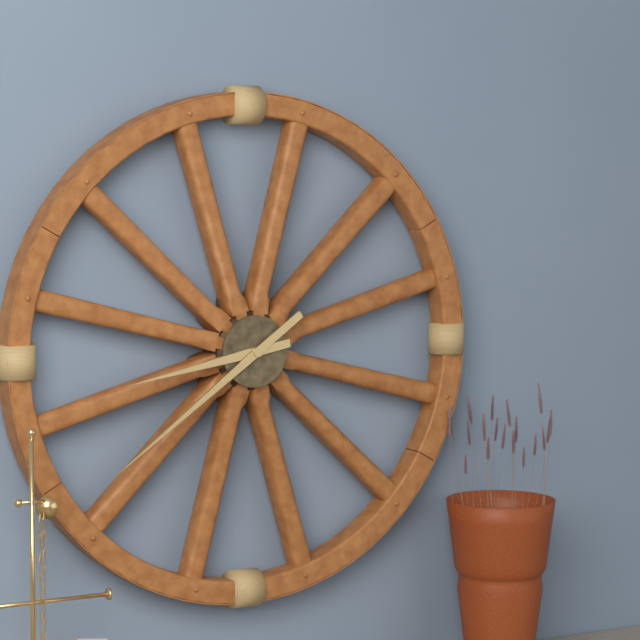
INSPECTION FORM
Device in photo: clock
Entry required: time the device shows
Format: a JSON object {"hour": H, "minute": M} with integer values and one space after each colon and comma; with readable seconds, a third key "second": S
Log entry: {"hour": 8, "minute": 39}
